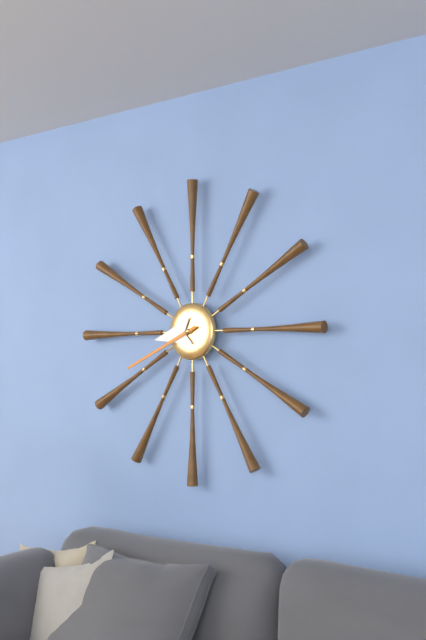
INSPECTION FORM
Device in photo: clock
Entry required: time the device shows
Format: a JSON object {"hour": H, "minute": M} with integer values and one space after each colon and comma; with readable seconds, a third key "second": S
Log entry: {"hour": 8, "minute": 41}
